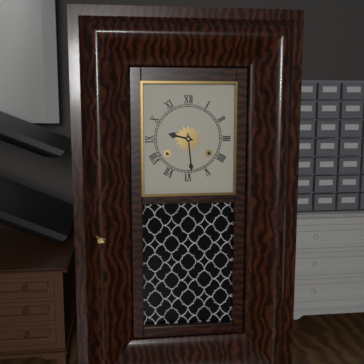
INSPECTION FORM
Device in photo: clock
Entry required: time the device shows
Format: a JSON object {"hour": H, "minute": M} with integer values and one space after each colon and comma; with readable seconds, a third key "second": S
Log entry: {"hour": 9, "minute": 29}
